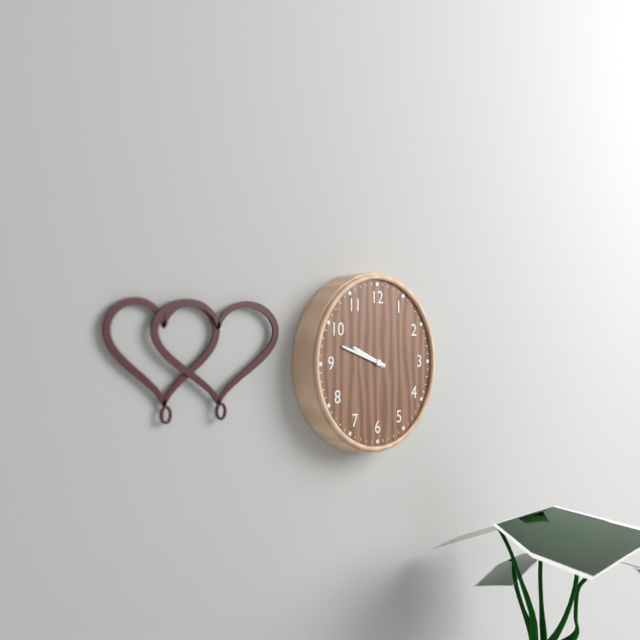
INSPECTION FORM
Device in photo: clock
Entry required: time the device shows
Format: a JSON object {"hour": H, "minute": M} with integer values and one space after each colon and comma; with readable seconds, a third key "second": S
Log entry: {"hour": 9, "minute": 48}
